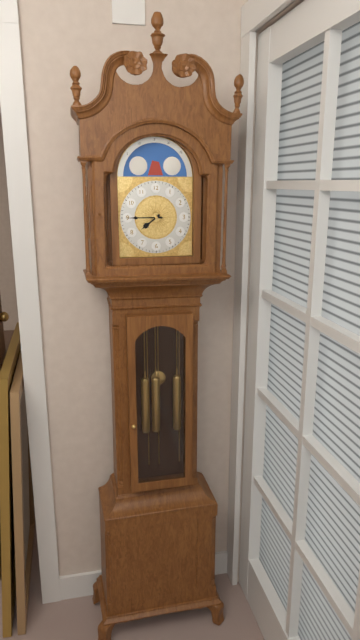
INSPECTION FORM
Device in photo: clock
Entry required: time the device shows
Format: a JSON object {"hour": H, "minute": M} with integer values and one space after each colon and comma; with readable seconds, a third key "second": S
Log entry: {"hour": 7, "minute": 45}
